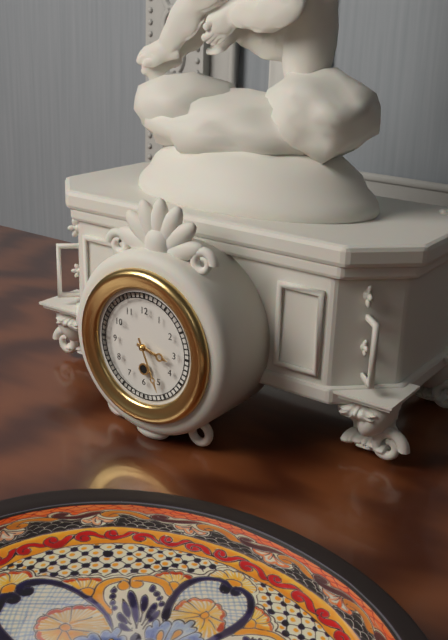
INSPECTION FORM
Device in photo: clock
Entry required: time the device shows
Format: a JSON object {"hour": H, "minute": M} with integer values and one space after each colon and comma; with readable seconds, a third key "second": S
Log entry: {"hour": 3, "minute": 26}
